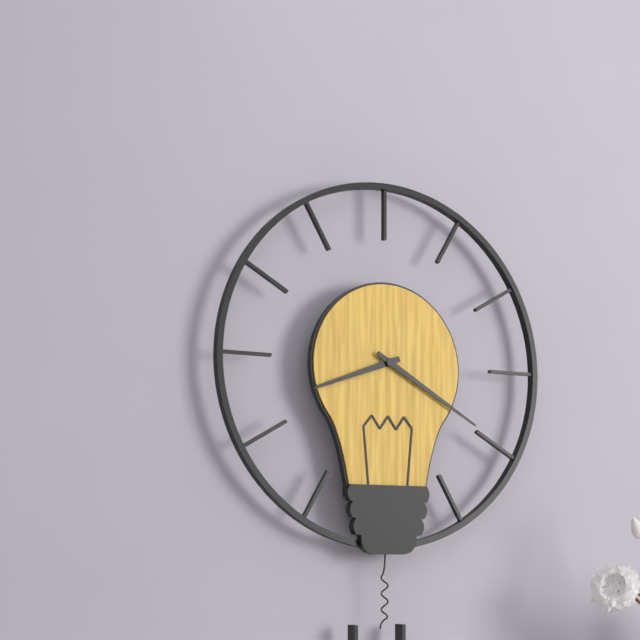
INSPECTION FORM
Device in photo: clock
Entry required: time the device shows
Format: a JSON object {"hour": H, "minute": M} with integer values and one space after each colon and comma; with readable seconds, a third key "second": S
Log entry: {"hour": 8, "minute": 20}
